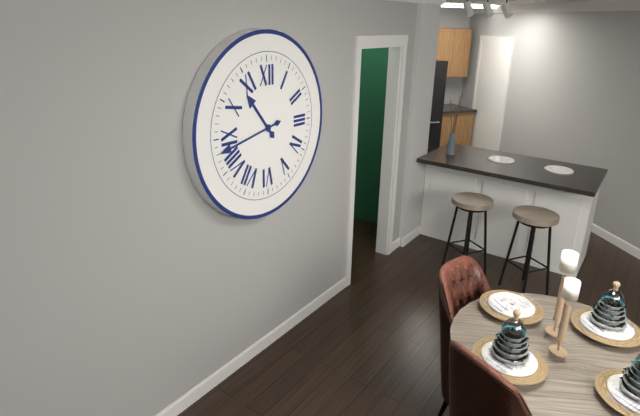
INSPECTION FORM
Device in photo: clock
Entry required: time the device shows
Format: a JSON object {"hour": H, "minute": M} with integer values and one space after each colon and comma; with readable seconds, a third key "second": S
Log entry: {"hour": 10, "minute": 43}
